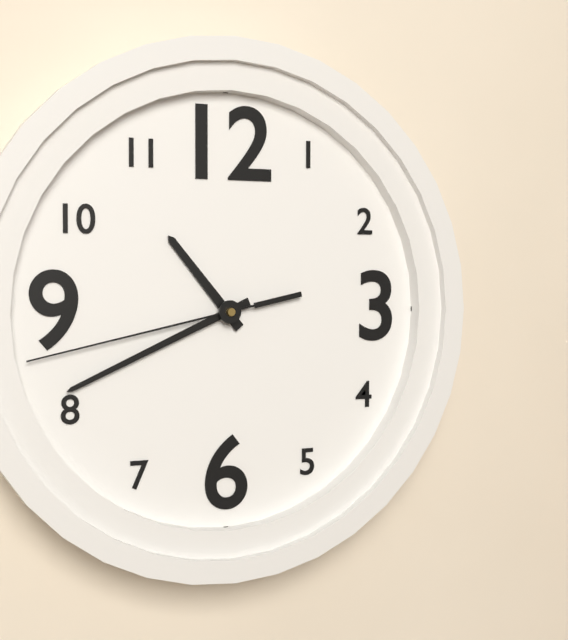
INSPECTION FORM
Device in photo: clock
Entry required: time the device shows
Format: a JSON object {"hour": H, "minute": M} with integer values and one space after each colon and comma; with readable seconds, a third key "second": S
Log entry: {"hour": 10, "minute": 41, "second": 43}
